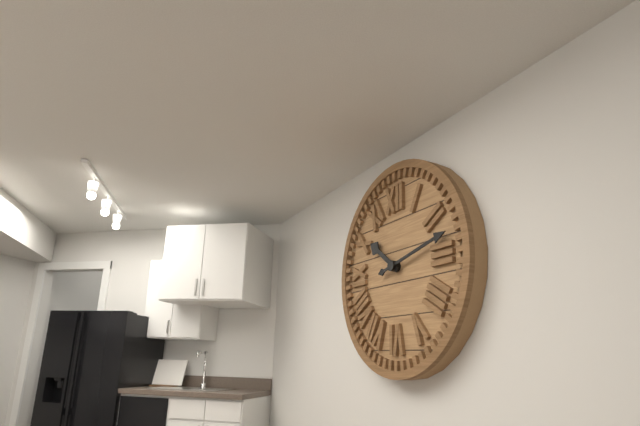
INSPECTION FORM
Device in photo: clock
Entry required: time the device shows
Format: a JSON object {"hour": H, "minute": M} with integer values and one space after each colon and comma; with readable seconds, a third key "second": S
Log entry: {"hour": 10, "minute": 13}
